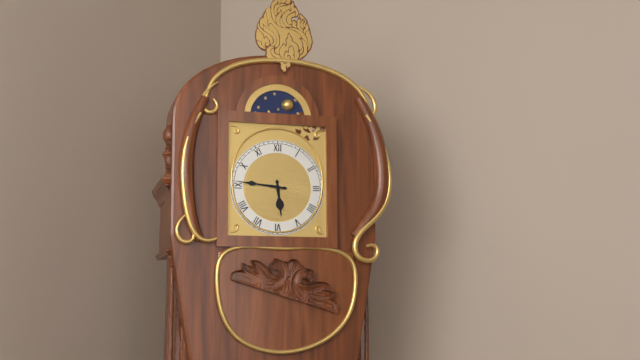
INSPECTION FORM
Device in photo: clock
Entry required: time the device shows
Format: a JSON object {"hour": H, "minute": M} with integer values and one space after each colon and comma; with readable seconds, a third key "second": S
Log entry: {"hour": 5, "minute": 46}
